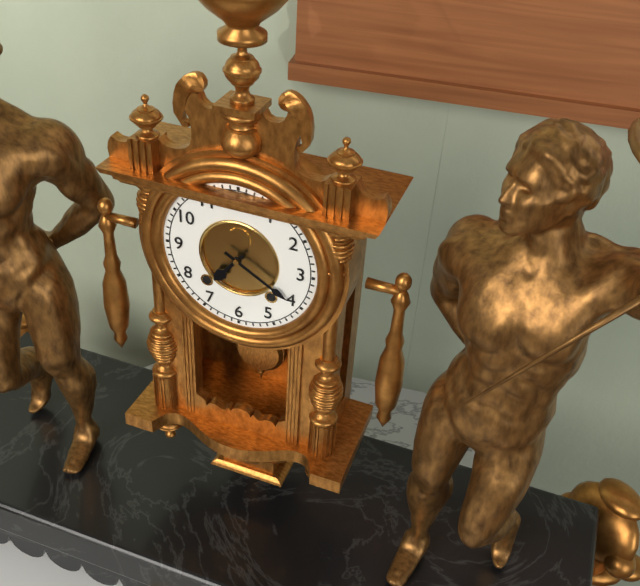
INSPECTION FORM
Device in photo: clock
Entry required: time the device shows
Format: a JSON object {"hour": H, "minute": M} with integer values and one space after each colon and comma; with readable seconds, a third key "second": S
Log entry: {"hour": 7, "minute": 20}
